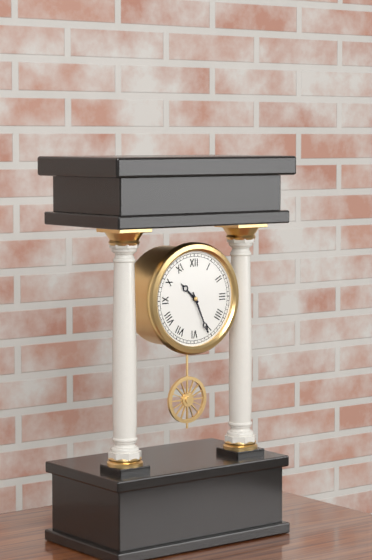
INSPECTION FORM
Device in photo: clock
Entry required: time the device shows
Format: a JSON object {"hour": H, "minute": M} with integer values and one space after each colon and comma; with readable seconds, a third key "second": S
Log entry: {"hour": 10, "minute": 26}
